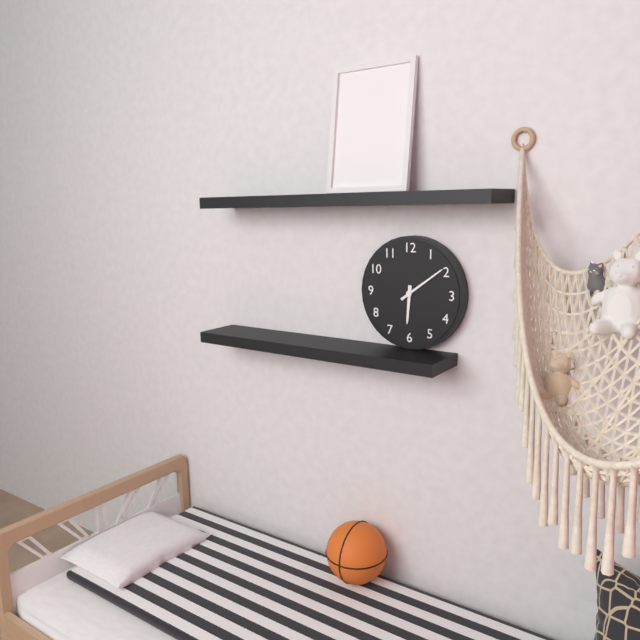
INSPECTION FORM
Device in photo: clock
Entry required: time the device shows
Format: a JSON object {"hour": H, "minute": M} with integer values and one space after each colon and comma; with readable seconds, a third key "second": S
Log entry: {"hour": 6, "minute": 9}
